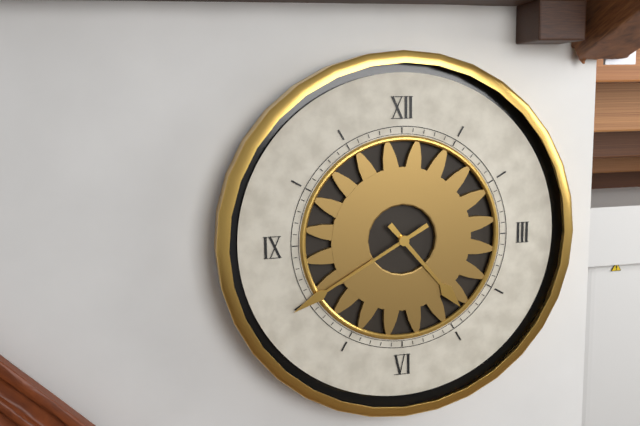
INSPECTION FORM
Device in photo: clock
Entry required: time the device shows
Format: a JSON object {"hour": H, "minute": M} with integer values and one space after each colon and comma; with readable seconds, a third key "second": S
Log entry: {"hour": 4, "minute": 40}
